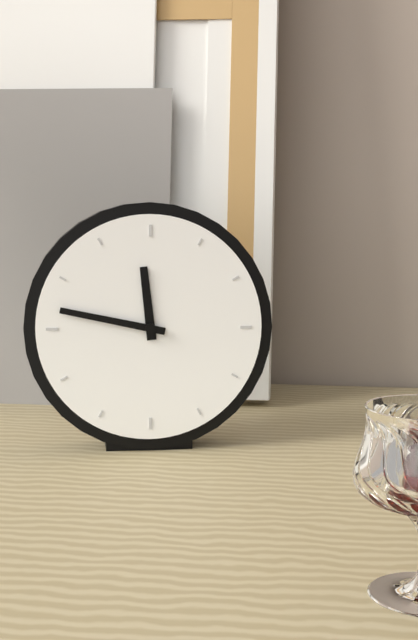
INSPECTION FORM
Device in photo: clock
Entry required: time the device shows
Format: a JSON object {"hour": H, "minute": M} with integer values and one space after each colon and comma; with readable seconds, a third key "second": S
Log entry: {"hour": 11, "minute": 47}
